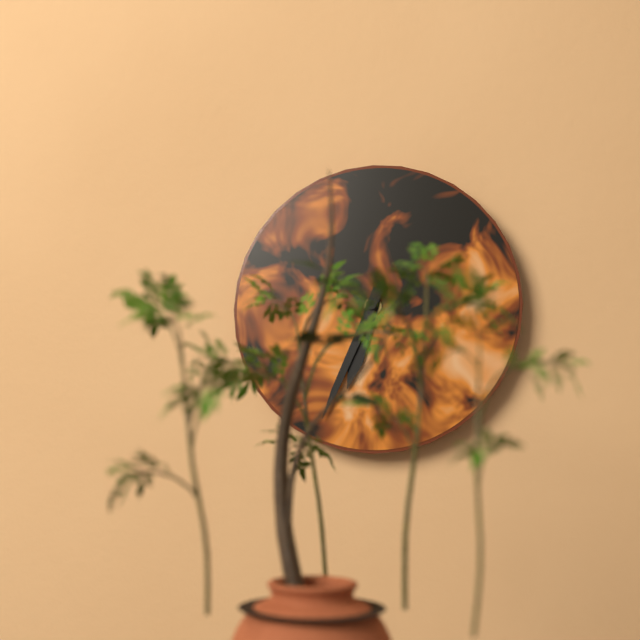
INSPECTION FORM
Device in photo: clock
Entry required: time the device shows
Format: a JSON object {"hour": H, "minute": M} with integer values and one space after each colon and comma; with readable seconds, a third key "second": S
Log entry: {"hour": 6, "minute": 34}
